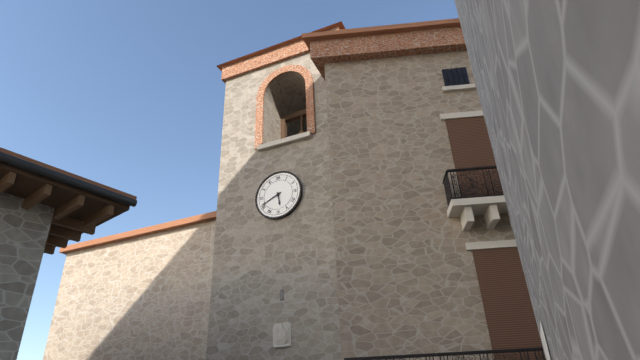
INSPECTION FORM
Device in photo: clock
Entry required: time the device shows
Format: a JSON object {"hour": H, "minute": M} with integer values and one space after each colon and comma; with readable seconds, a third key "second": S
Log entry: {"hour": 5, "minute": 41}
